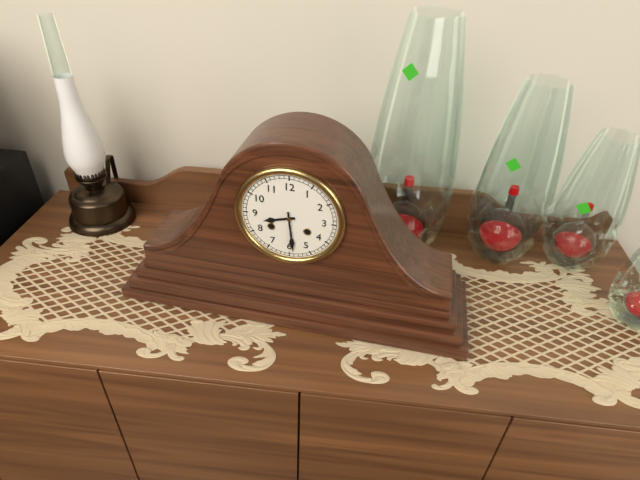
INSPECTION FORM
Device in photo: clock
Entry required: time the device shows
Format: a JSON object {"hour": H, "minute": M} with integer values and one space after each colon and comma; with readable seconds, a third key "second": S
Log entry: {"hour": 8, "minute": 29}
